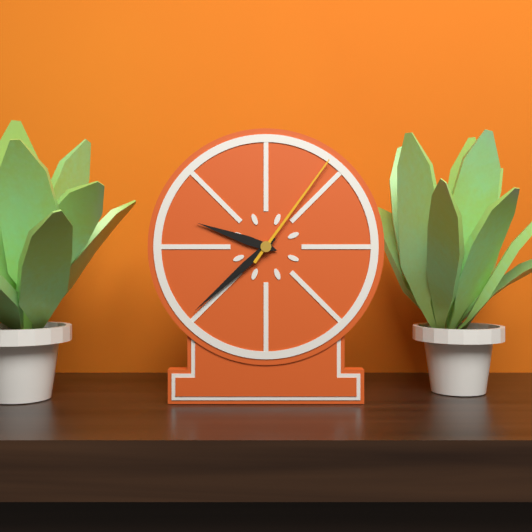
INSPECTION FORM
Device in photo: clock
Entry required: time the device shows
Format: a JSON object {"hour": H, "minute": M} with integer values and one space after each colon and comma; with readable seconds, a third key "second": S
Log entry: {"hour": 9, "minute": 38, "second": 6}
